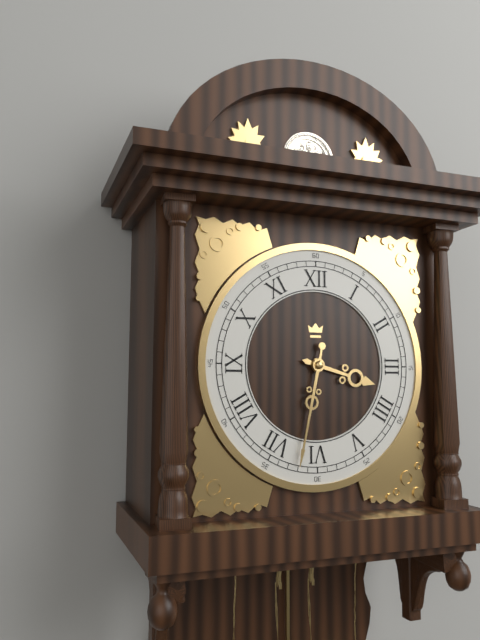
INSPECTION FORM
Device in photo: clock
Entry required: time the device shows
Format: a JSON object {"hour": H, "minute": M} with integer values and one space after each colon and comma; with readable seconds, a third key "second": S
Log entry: {"hour": 3, "minute": 32}
